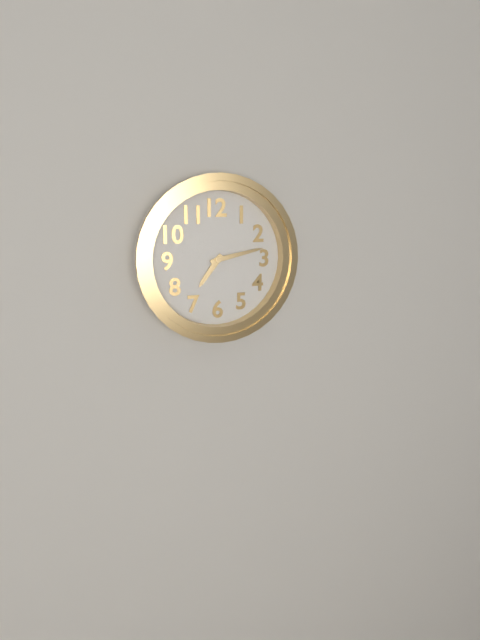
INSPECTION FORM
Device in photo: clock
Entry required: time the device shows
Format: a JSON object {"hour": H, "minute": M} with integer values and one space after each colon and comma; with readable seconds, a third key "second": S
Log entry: {"hour": 7, "minute": 13}
